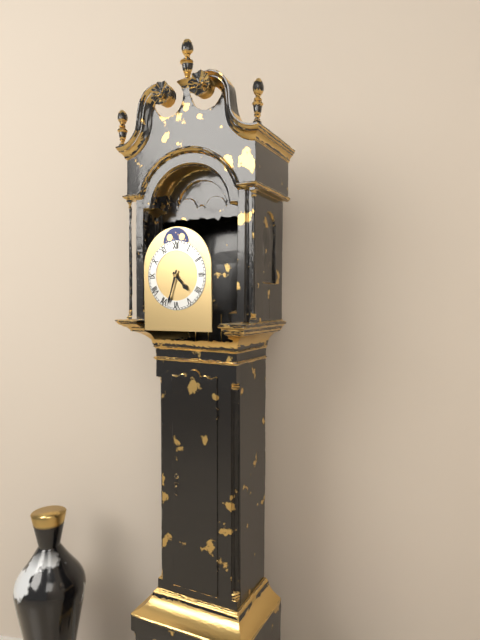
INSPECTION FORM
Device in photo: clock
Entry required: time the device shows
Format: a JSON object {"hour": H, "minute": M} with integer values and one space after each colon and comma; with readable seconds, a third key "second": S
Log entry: {"hour": 4, "minute": 33}
